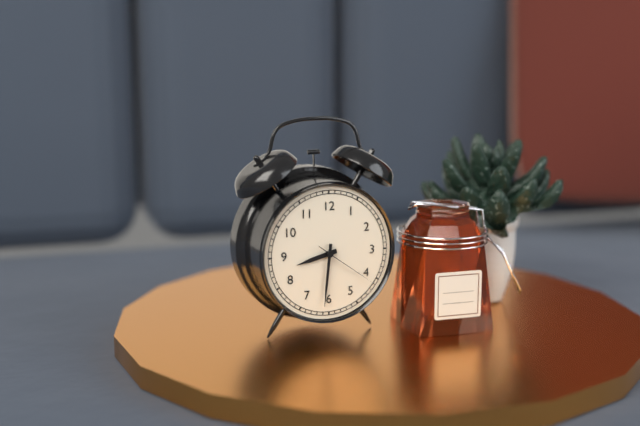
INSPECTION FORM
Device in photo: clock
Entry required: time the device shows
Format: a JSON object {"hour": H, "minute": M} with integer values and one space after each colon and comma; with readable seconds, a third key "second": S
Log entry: {"hour": 8, "minute": 31, "second": 21}
